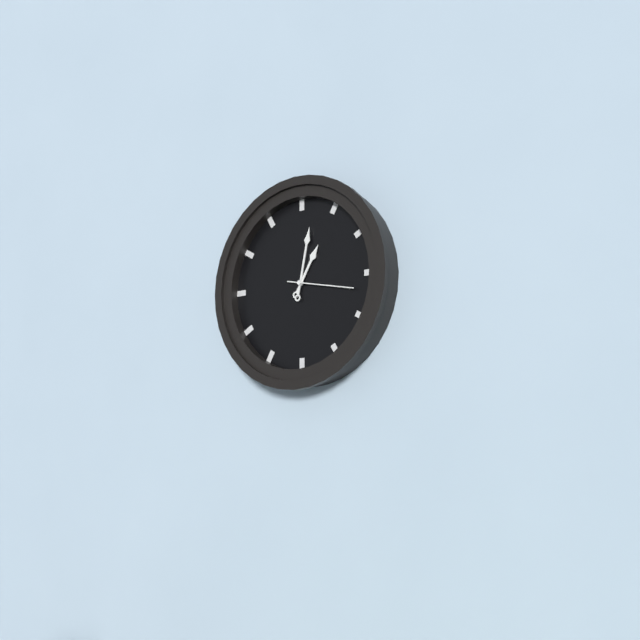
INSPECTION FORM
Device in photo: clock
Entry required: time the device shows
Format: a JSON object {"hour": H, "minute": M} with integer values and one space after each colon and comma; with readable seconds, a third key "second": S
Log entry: {"hour": 1, "minute": 2, "second": 17}
